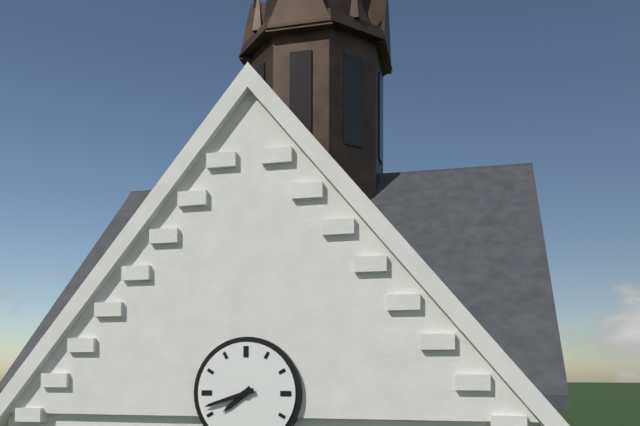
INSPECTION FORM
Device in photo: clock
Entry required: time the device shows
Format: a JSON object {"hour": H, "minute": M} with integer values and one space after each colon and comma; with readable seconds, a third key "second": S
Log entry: {"hour": 7, "minute": 42}
